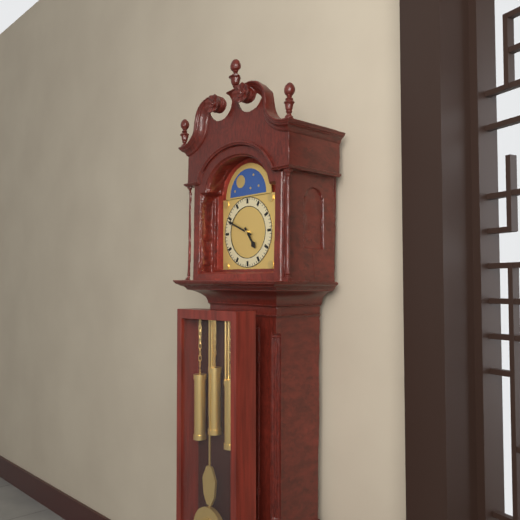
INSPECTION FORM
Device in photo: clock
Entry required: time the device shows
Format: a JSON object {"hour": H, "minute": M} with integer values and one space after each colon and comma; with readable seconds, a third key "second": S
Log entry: {"hour": 4, "minute": 49}
